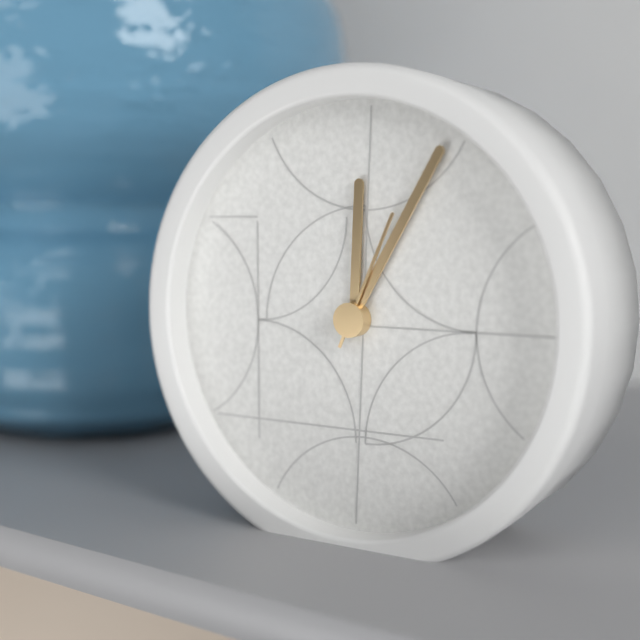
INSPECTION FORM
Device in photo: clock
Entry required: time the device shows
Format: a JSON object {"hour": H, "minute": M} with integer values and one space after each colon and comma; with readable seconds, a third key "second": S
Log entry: {"hour": 12, "minute": 5, "second": 4}
